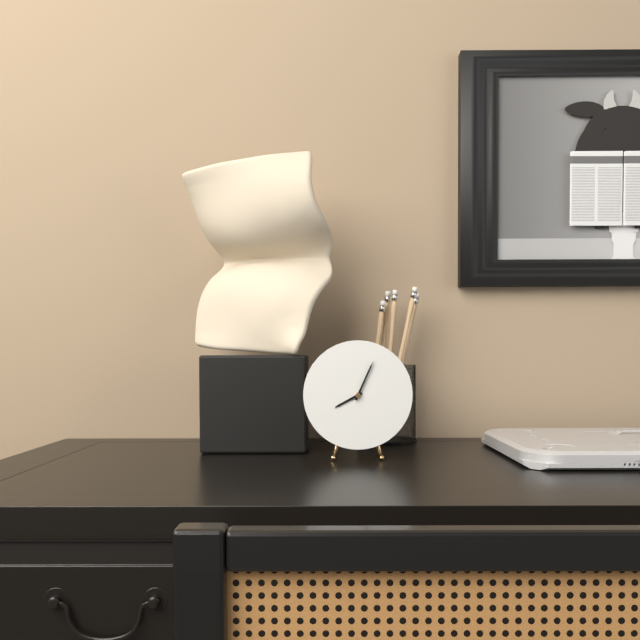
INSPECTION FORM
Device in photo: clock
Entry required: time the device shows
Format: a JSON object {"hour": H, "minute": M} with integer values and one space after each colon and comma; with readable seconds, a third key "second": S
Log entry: {"hour": 8, "minute": 4}
